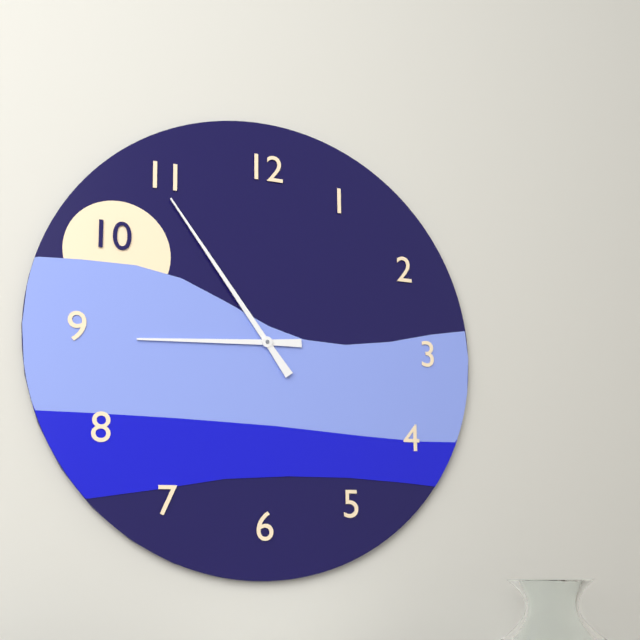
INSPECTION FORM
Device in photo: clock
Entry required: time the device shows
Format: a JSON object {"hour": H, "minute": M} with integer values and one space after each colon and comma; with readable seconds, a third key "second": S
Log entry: {"hour": 8, "minute": 54}
